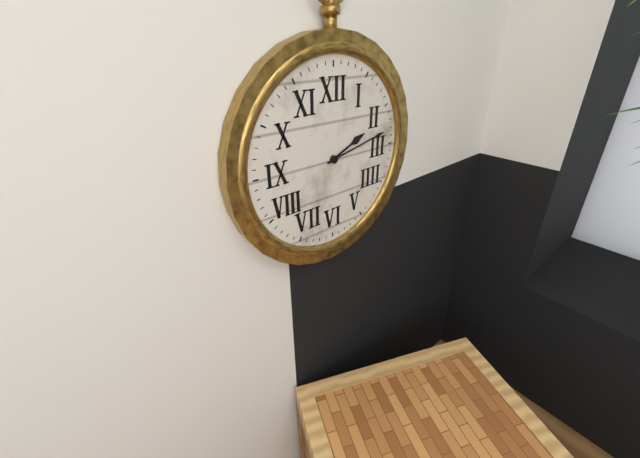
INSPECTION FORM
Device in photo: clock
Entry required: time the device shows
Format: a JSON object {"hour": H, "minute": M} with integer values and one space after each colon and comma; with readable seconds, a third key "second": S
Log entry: {"hour": 2, "minute": 13}
